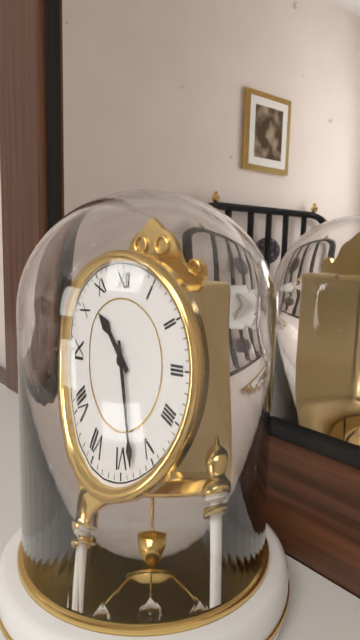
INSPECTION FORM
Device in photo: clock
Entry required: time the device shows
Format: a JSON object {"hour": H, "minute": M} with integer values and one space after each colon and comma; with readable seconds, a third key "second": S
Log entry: {"hour": 10, "minute": 28}
